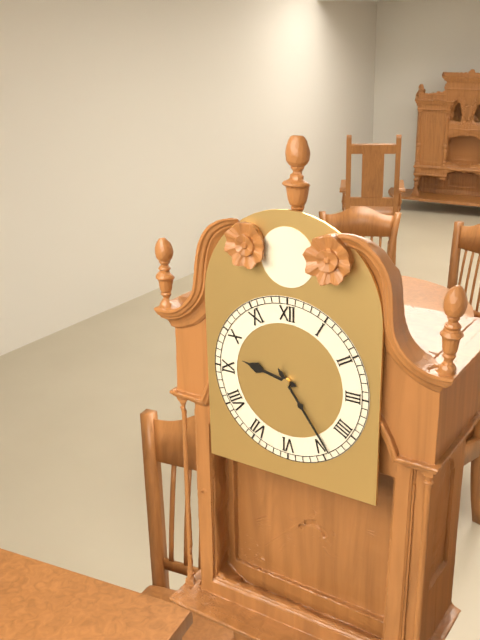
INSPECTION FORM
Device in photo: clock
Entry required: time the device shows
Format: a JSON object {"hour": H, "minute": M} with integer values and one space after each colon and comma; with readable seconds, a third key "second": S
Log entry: {"hour": 9, "minute": 24}
